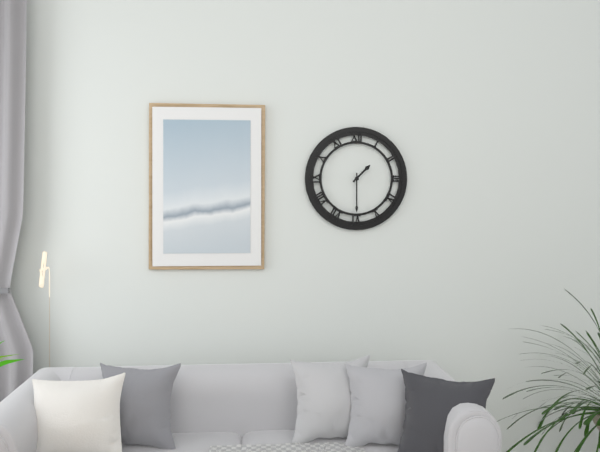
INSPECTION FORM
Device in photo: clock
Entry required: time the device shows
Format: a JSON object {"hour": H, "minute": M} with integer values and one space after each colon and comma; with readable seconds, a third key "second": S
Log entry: {"hour": 1, "minute": 30}
